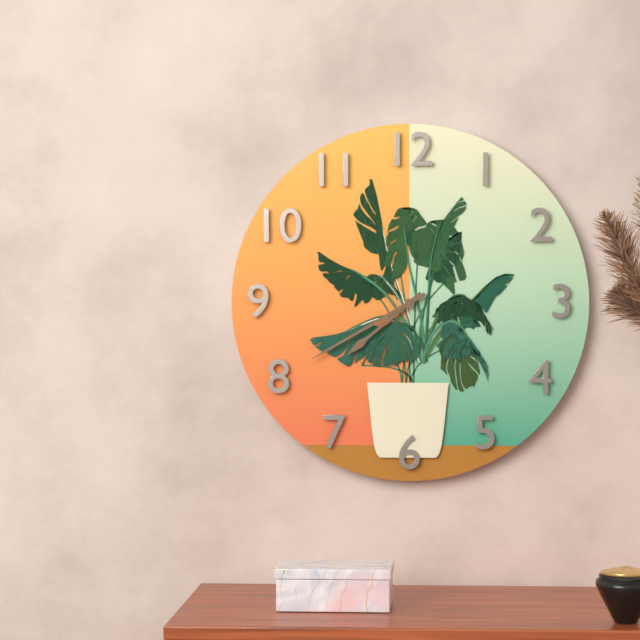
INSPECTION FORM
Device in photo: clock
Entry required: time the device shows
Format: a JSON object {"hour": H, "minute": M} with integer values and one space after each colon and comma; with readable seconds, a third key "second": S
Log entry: {"hour": 7, "minute": 40}
